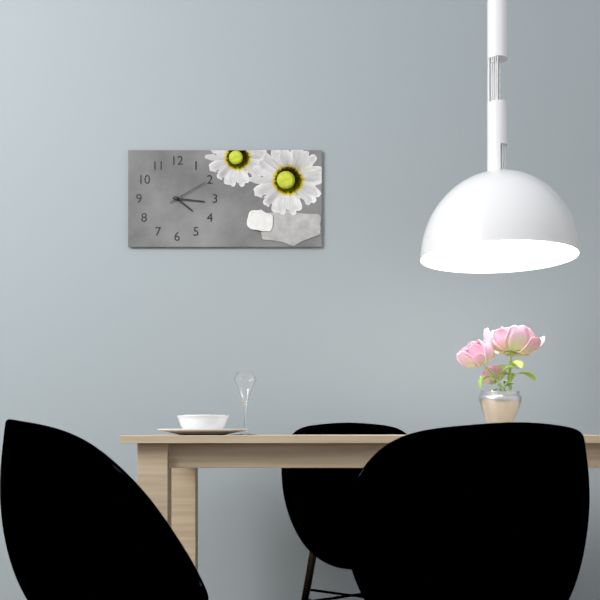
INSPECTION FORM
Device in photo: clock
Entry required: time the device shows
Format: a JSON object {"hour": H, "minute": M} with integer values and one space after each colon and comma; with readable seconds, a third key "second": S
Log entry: {"hour": 4, "minute": 16}
